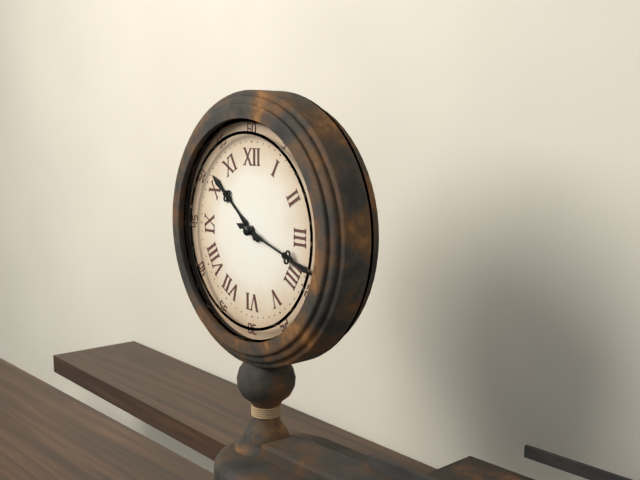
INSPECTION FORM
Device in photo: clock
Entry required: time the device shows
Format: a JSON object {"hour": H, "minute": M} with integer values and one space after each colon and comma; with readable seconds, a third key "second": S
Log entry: {"hour": 10, "minute": 18}
